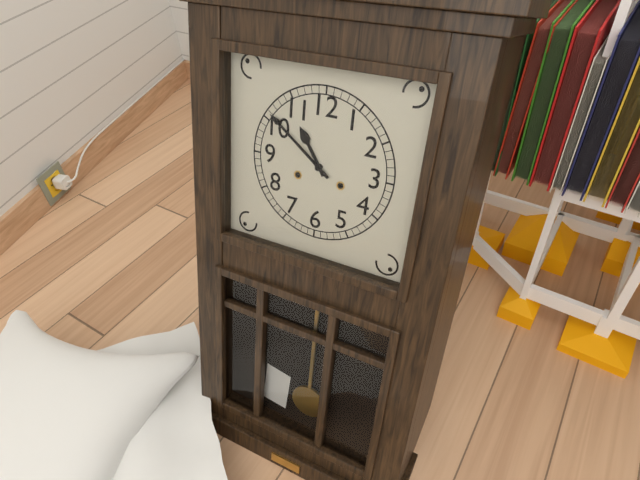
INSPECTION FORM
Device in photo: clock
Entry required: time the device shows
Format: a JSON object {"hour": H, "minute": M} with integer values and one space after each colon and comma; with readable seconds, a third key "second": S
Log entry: {"hour": 10, "minute": 51}
